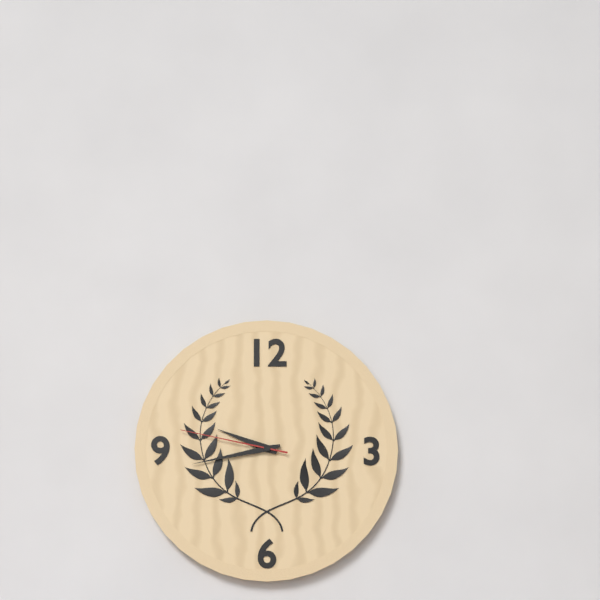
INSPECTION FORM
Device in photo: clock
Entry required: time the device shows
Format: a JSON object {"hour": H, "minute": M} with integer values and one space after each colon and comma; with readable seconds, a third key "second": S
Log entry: {"hour": 9, "minute": 43, "second": 47}
